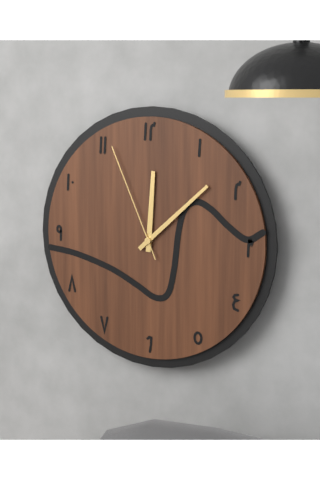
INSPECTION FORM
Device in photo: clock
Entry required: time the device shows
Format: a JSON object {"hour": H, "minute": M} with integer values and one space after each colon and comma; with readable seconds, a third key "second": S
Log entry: {"hour": 12, "minute": 8, "second": 56}
